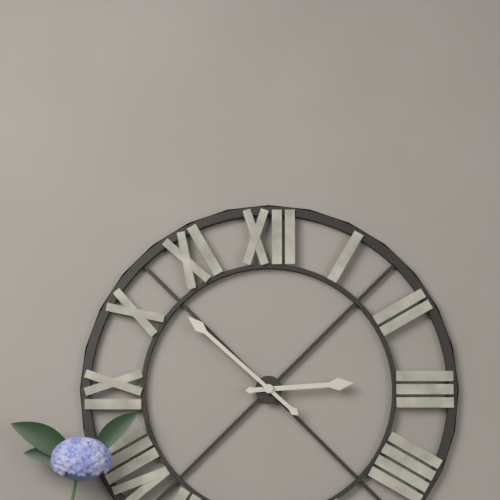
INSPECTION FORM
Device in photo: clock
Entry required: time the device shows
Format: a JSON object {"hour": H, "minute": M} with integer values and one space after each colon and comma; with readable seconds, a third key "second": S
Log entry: {"hour": 2, "minute": 52}
